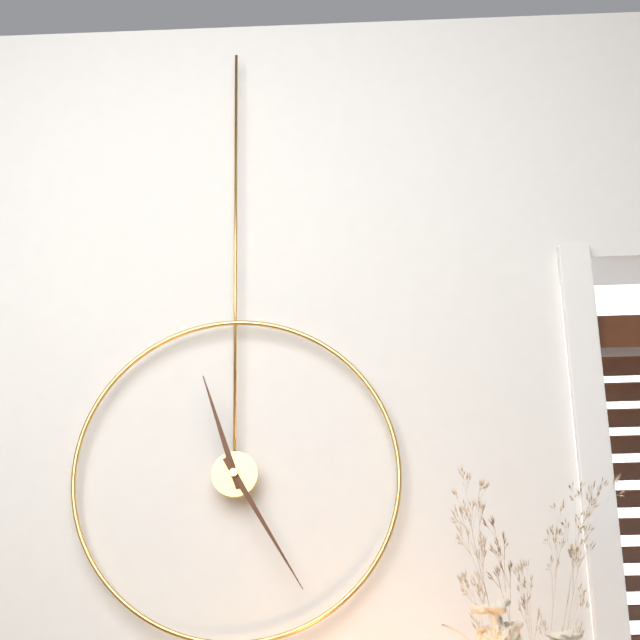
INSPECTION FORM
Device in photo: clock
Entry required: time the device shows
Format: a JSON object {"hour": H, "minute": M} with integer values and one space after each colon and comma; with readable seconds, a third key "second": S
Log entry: {"hour": 11, "minute": 25}
